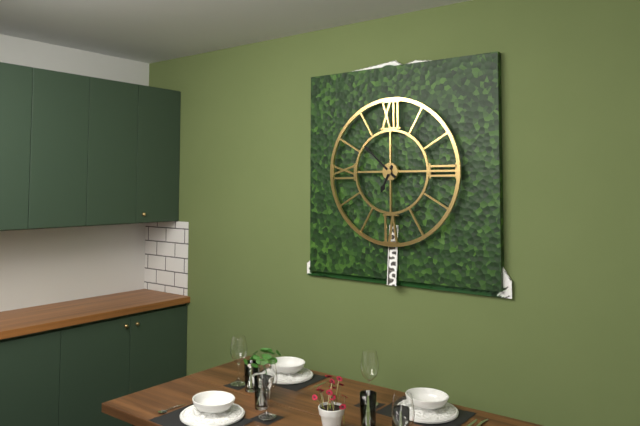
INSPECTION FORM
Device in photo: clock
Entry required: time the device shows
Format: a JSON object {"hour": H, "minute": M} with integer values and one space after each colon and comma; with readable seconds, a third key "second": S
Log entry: {"hour": 6, "minute": 52}
